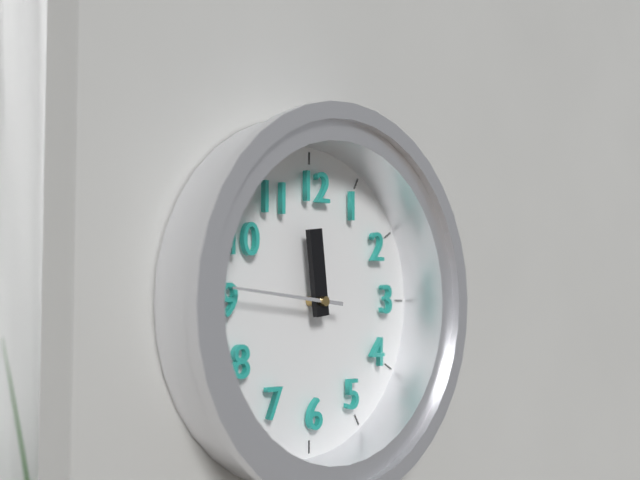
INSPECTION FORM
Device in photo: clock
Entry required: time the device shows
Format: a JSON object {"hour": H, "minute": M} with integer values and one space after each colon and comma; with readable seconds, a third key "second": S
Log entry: {"hour": 11, "minute": 46}
